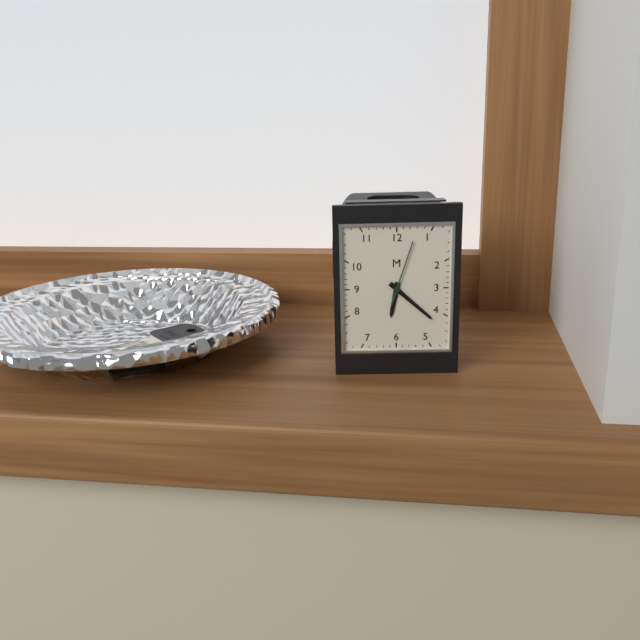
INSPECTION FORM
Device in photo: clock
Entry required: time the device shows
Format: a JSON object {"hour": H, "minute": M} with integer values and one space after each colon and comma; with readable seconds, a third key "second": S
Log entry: {"hour": 6, "minute": 22, "second": 3}
